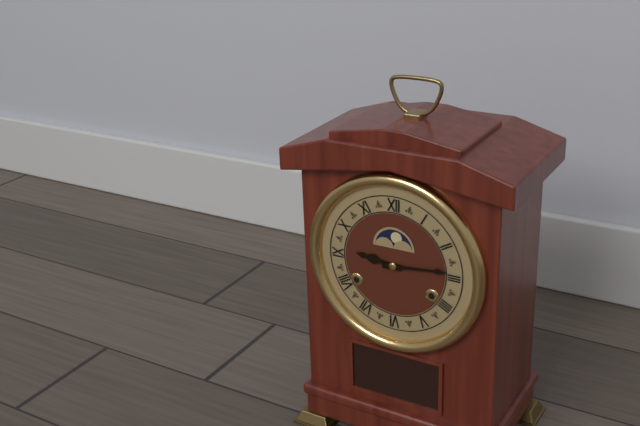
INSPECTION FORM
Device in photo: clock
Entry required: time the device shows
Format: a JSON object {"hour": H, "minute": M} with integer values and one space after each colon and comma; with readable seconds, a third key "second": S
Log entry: {"hour": 9, "minute": 14}
